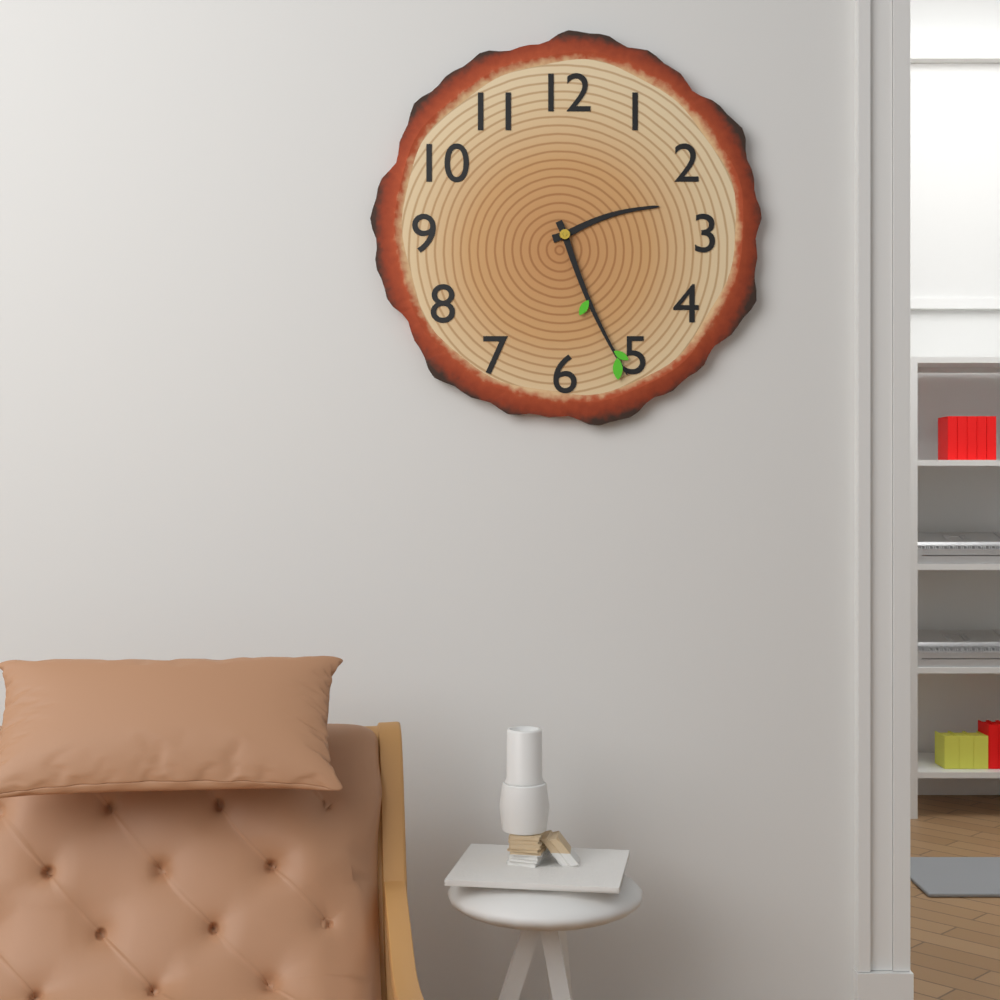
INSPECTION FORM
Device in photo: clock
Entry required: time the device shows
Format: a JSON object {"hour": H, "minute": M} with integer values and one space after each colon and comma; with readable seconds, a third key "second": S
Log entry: {"hour": 2, "minute": 26}
